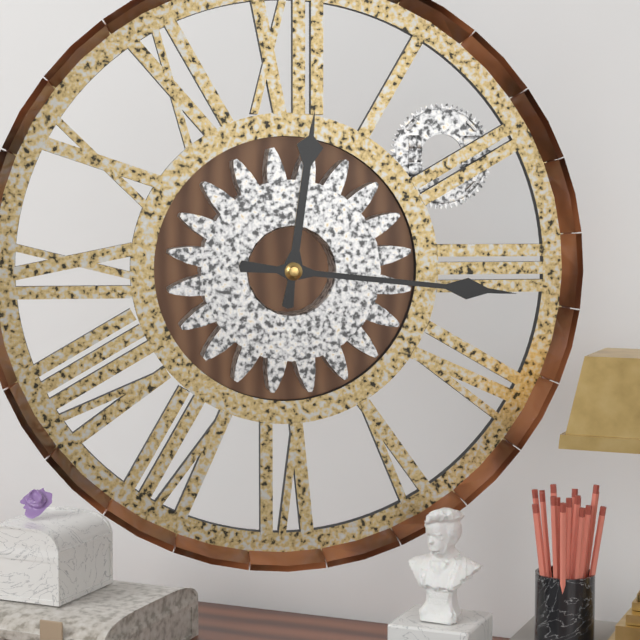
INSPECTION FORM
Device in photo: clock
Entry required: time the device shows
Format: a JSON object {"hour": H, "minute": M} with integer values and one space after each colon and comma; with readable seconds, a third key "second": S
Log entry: {"hour": 12, "minute": 16}
